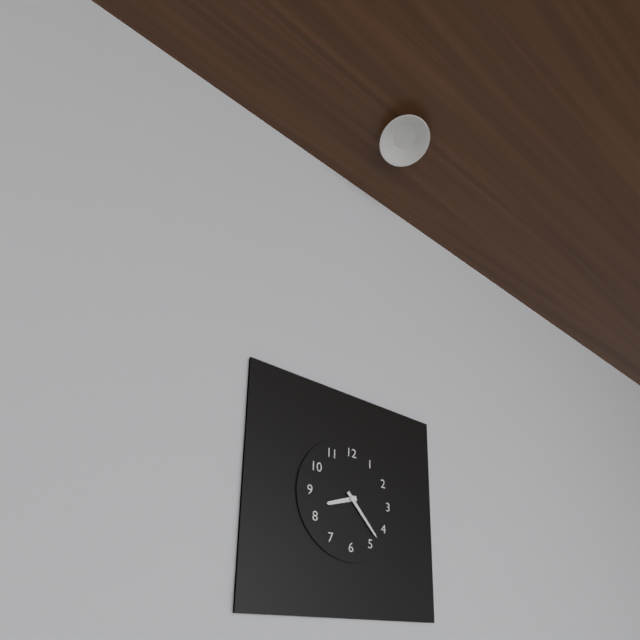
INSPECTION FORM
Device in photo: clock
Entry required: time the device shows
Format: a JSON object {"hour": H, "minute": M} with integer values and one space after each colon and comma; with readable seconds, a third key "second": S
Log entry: {"hour": 8, "minute": 23}
